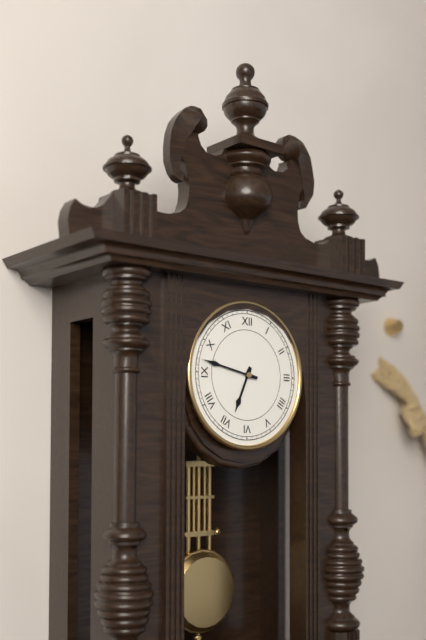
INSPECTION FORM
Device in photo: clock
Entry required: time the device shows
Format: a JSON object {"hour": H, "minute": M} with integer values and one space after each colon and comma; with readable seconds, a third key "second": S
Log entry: {"hour": 6, "minute": 47}
